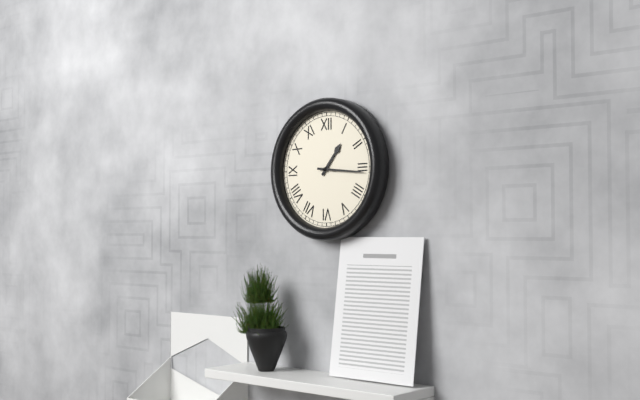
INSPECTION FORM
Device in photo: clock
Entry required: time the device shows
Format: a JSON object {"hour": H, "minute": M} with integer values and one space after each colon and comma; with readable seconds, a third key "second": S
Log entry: {"hour": 1, "minute": 16}
